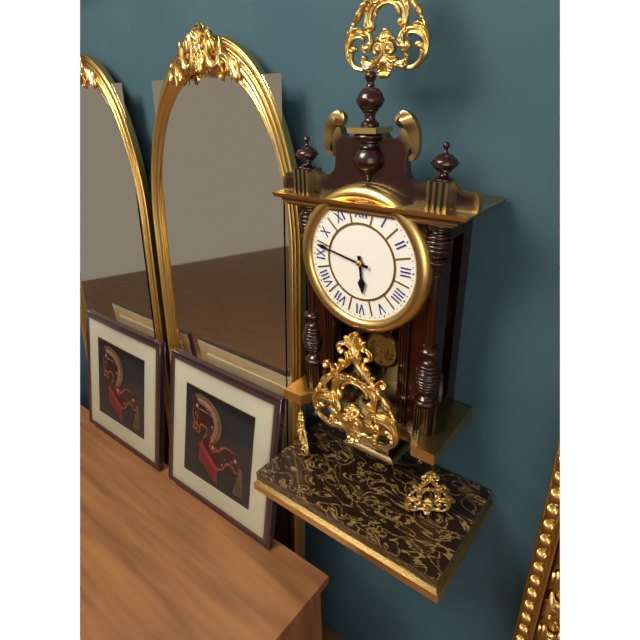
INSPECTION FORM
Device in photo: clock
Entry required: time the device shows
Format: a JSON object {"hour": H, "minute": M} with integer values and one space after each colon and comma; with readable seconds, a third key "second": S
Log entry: {"hour": 5, "minute": 47}
